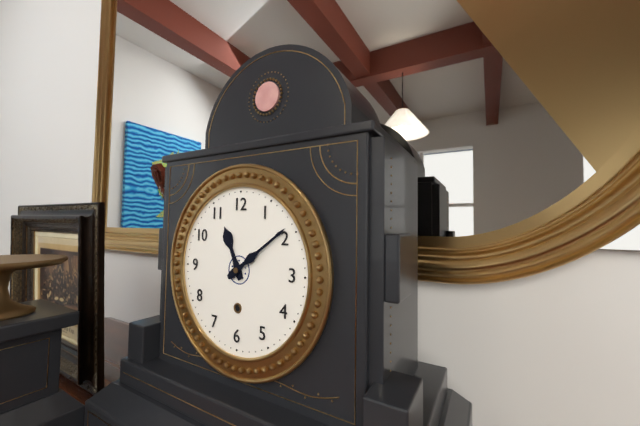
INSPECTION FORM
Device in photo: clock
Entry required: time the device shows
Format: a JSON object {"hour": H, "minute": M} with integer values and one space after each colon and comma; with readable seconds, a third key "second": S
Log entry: {"hour": 11, "minute": 9}
